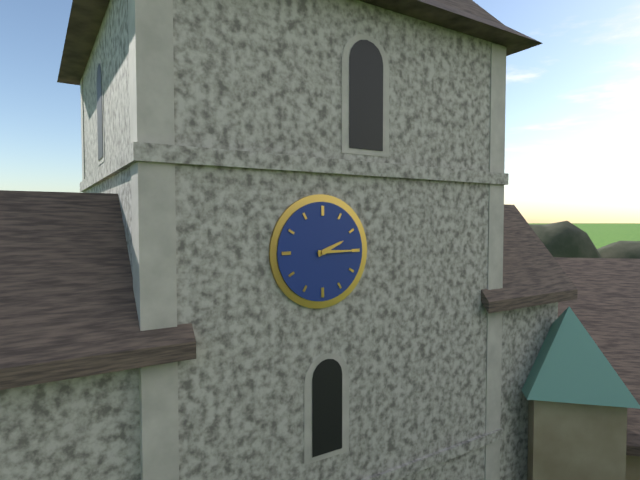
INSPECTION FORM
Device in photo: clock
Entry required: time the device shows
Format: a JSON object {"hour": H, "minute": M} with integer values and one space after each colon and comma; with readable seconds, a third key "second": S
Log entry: {"hour": 2, "minute": 15}
